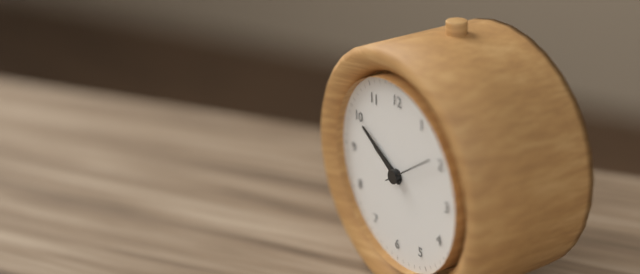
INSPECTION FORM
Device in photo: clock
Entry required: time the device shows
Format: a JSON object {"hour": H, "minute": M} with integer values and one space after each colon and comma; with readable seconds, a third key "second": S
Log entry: {"hour": 9, "minute": 50}
